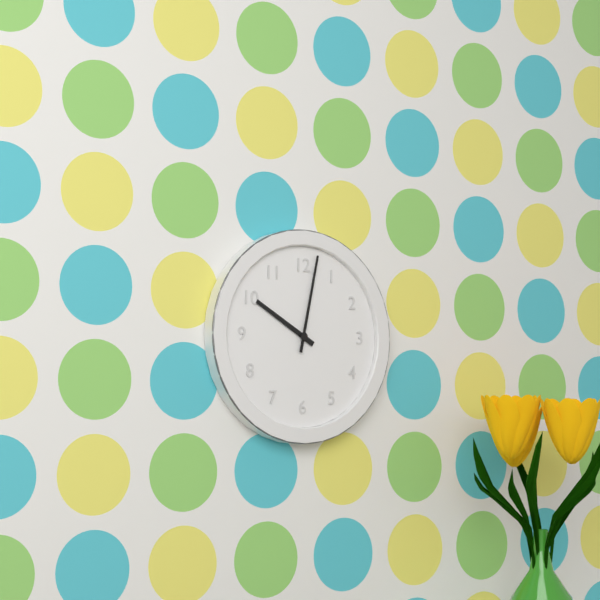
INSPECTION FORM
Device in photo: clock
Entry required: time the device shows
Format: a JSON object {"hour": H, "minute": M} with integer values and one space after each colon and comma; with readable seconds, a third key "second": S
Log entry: {"hour": 10, "minute": 2}
